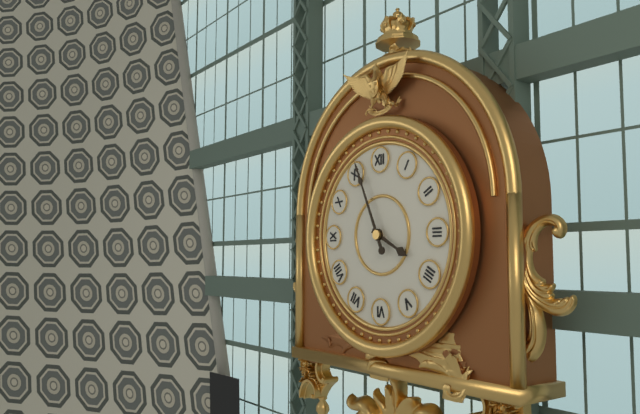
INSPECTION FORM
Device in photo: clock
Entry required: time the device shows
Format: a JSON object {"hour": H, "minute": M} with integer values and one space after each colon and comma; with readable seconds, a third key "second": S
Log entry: {"hour": 3, "minute": 56}
